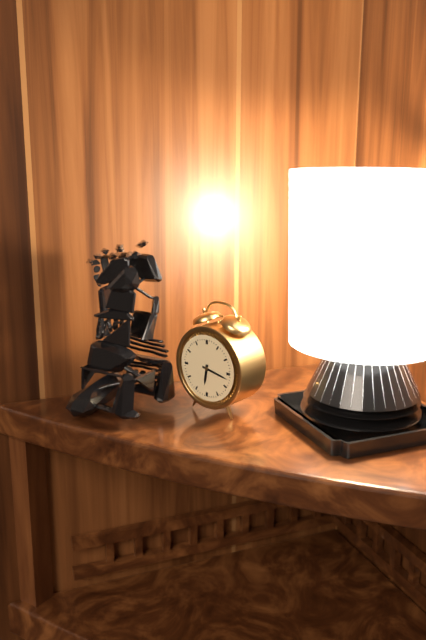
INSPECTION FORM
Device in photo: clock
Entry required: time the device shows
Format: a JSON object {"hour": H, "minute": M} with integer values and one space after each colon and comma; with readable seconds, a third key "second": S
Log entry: {"hour": 6, "minute": 17}
